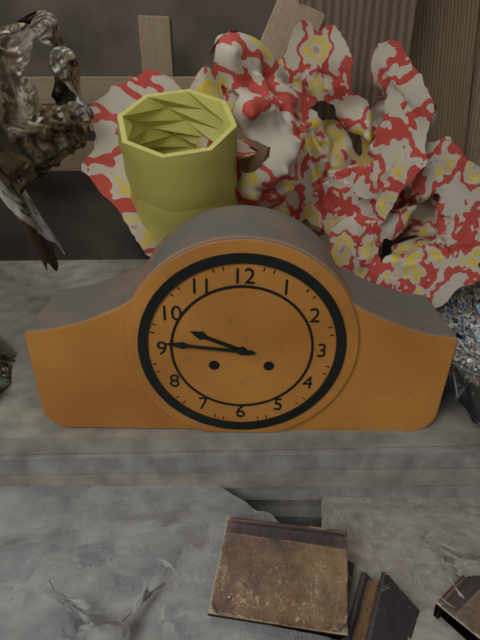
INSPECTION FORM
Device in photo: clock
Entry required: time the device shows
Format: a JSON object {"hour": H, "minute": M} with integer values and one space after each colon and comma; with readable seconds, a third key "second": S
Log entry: {"hour": 9, "minute": 46}
